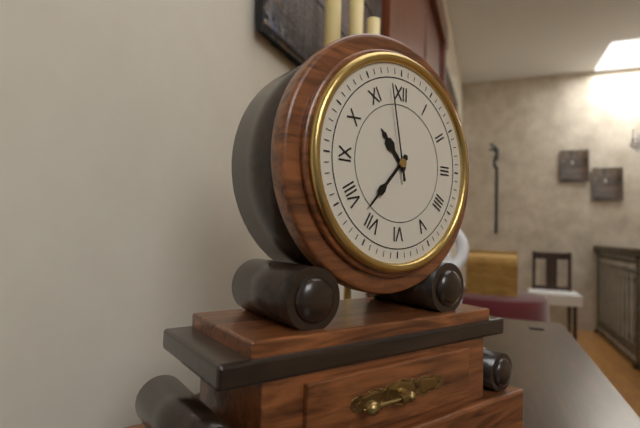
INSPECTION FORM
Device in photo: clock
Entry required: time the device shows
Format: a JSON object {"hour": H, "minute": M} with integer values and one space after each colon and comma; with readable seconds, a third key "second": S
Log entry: {"hour": 10, "minute": 37, "second": 58}
